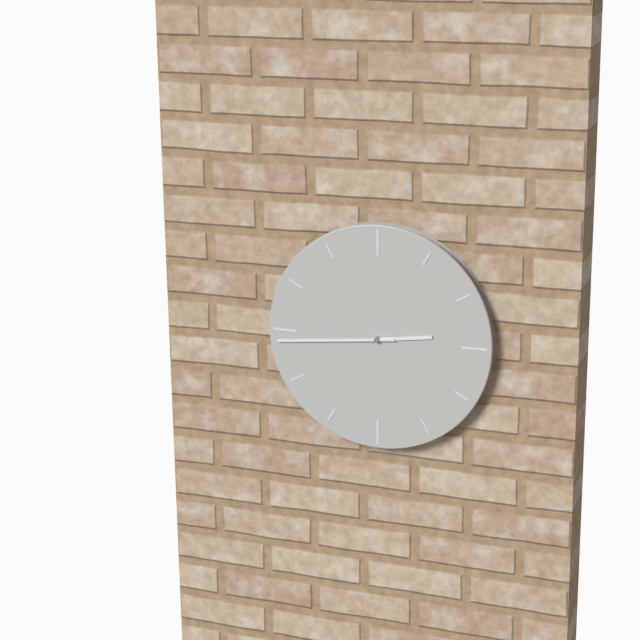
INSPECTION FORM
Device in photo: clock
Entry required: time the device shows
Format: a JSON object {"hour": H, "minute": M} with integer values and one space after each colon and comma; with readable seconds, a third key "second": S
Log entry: {"hour": 2, "minute": 44}
